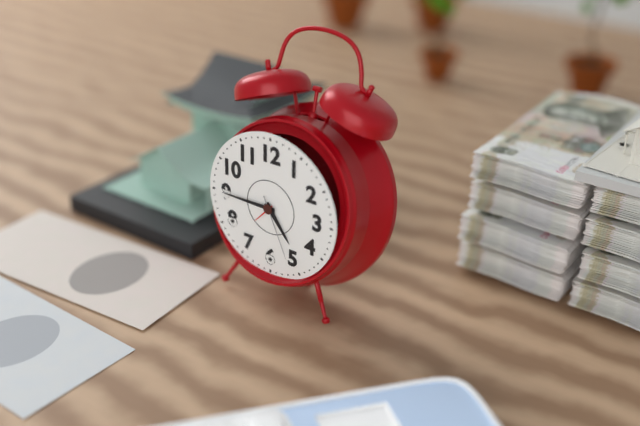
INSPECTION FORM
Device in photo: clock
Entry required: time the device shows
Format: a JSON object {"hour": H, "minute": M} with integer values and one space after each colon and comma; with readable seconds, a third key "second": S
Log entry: {"hour": 4, "minute": 45, "second": 26}
